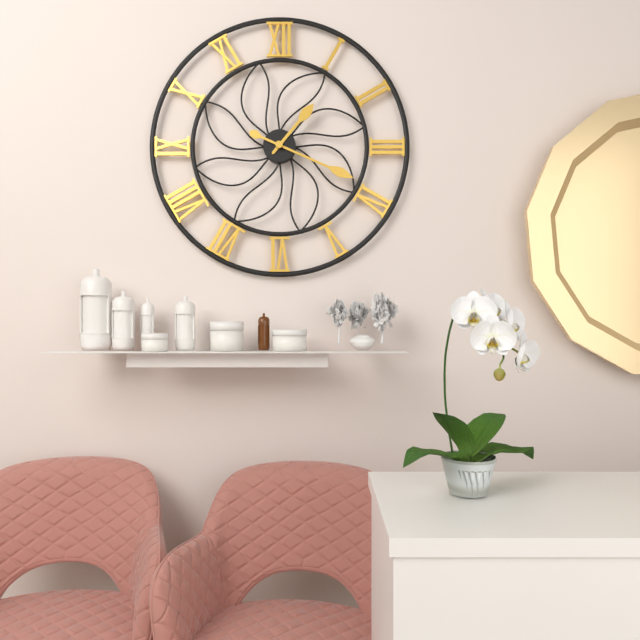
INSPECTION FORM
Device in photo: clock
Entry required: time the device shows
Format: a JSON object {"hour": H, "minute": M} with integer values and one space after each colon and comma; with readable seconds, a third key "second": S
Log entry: {"hour": 1, "minute": 19}
